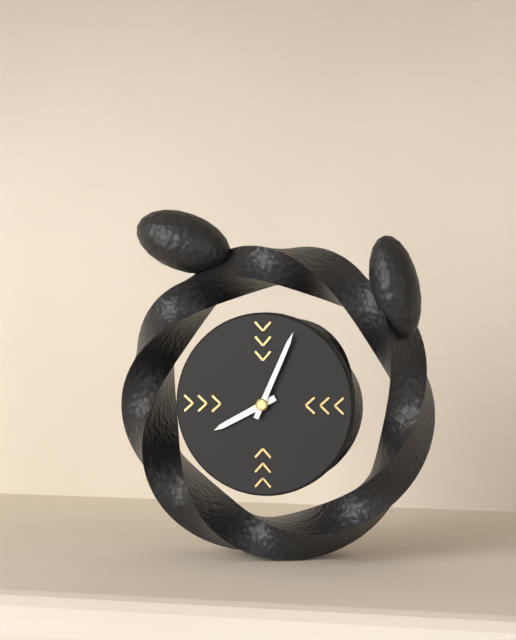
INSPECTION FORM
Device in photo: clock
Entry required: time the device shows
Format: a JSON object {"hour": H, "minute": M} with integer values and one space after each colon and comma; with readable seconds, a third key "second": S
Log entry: {"hour": 8, "minute": 4}
